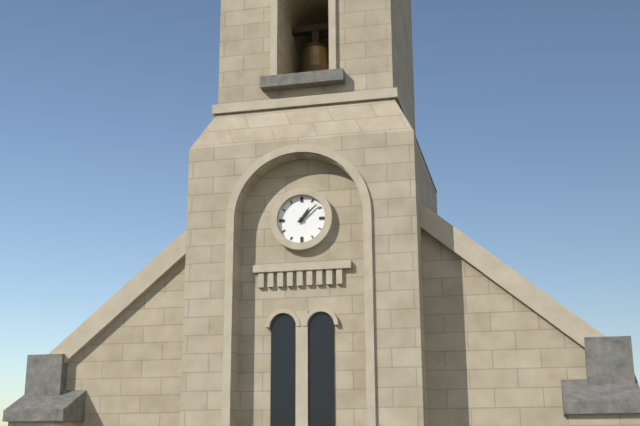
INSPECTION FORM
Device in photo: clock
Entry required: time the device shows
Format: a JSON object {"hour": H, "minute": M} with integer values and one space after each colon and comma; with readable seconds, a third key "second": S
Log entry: {"hour": 1, "minute": 8}
